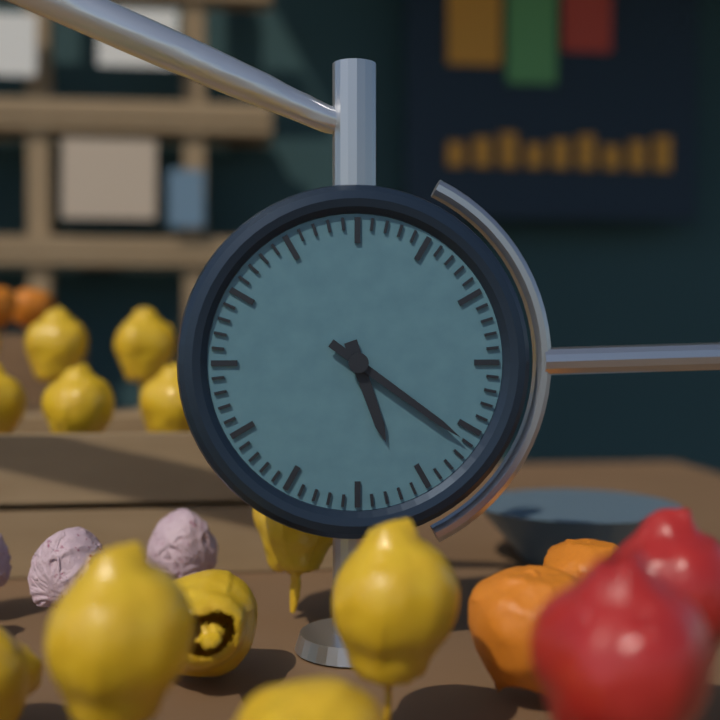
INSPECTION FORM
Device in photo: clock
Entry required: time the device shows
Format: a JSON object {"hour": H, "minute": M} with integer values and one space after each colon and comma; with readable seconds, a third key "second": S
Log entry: {"hour": 5, "minute": 21}
